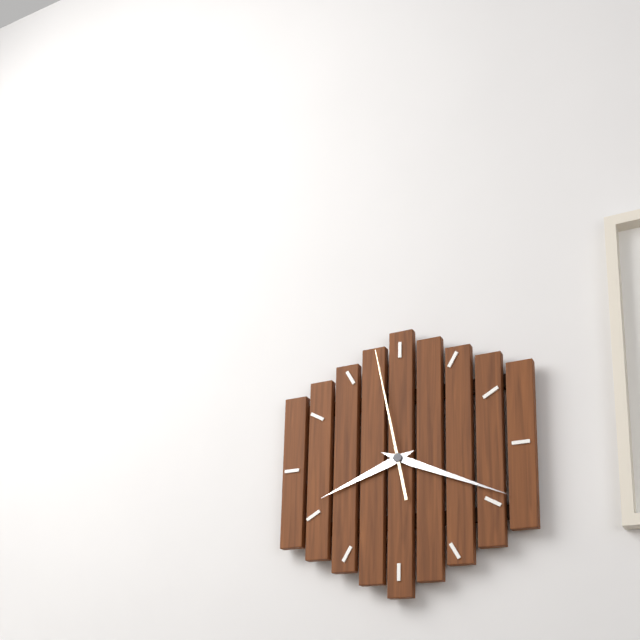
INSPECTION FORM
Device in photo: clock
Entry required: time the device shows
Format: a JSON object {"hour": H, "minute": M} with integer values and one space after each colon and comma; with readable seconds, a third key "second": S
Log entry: {"hour": 8, "minute": 19, "second": 58}
